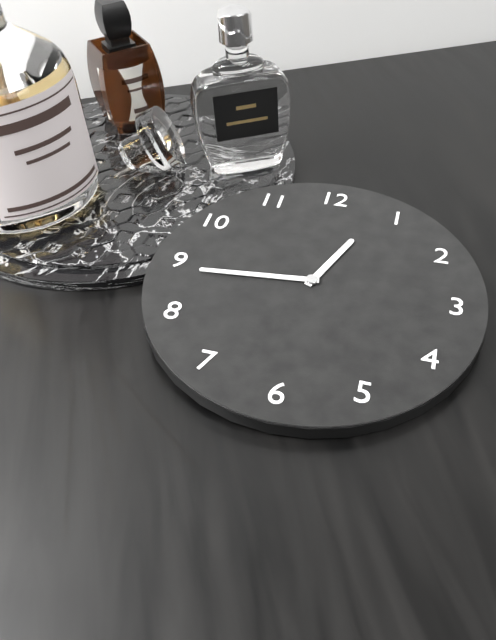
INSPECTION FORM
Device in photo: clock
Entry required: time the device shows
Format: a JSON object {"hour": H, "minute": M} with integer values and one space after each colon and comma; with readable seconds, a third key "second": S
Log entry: {"hour": 12, "minute": 44}
